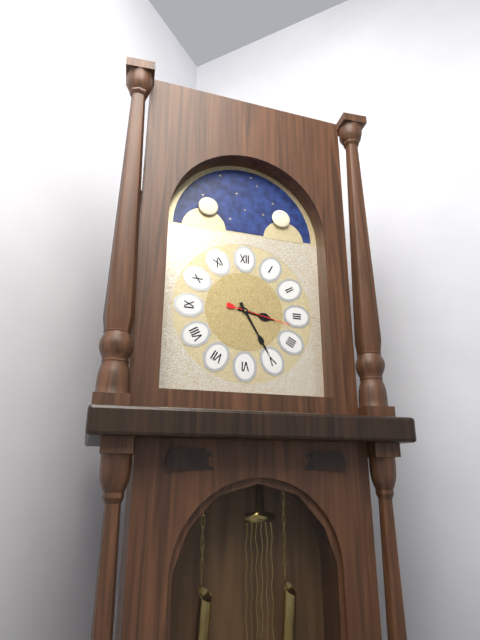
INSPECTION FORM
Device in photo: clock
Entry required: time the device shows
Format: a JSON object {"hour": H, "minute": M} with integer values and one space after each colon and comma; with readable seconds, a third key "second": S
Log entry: {"hour": 3, "minute": 25, "second": 17}
